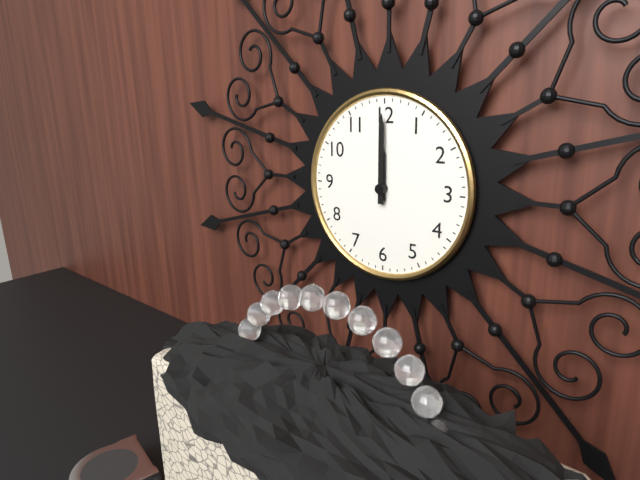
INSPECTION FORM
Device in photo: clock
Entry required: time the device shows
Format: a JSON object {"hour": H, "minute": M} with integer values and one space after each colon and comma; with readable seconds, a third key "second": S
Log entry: {"hour": 12, "minute": 0}
